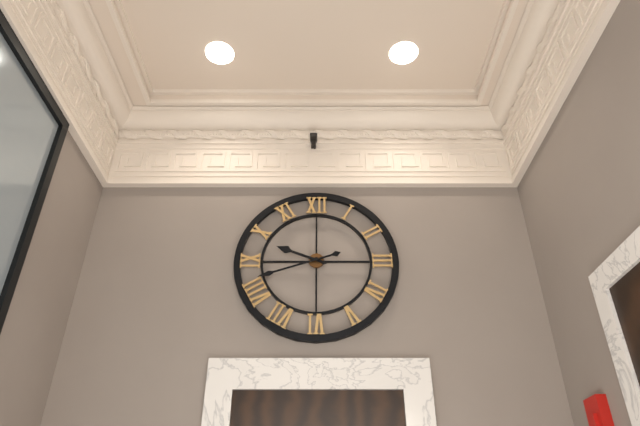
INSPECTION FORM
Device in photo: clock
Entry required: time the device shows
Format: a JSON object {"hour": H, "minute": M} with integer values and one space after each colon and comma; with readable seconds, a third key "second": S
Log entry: {"hour": 9, "minute": 42}
